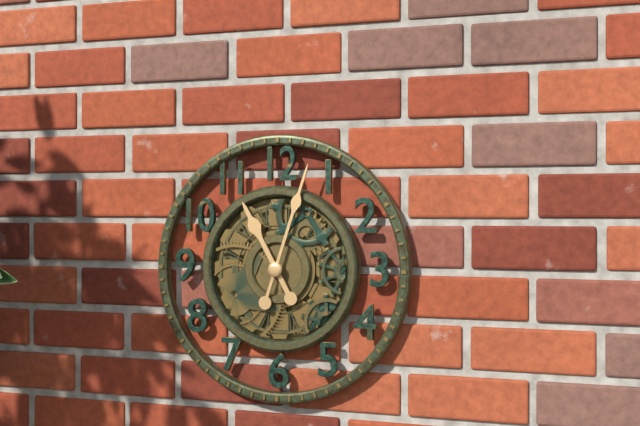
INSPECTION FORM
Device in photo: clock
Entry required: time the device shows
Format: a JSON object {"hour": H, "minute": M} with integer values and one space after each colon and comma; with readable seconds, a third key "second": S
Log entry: {"hour": 11, "minute": 3}
